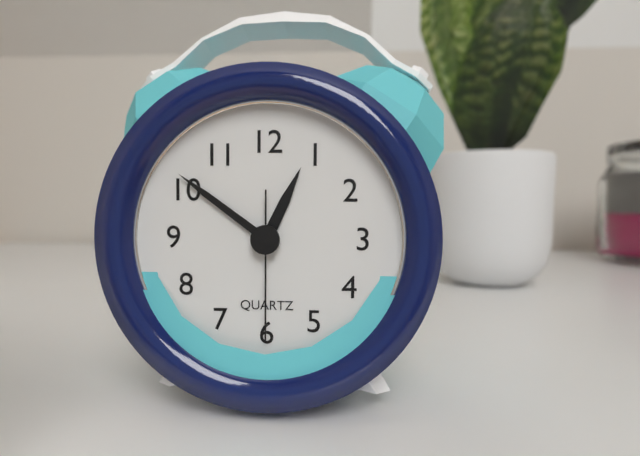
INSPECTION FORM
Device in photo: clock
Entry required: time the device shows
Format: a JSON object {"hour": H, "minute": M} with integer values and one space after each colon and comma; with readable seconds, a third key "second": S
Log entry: {"hour": 12, "minute": 51, "second": 30}
